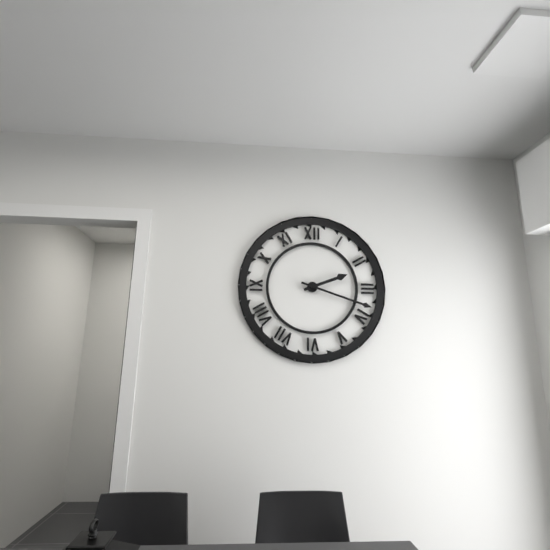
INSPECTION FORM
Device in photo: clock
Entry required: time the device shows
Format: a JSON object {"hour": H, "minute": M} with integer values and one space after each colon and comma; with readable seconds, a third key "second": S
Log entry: {"hour": 2, "minute": 18}
